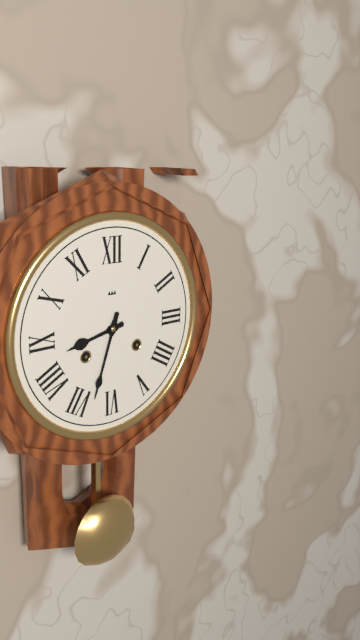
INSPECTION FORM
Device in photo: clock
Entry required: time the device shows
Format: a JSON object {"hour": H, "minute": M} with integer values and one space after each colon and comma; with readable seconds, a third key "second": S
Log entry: {"hour": 8, "minute": 33}
